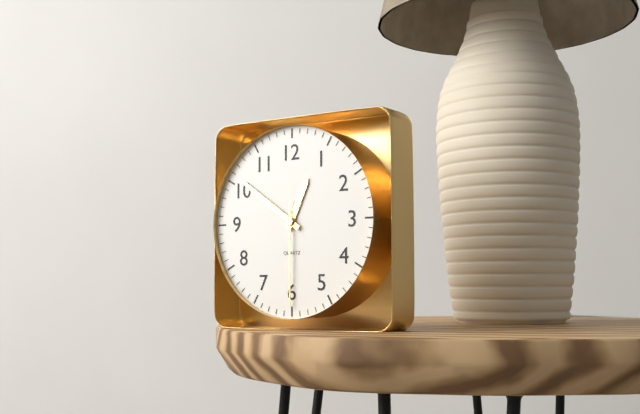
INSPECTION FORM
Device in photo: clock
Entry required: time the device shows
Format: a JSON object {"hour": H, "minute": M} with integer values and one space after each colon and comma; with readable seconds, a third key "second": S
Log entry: {"hour": 12, "minute": 51, "second": 30}
